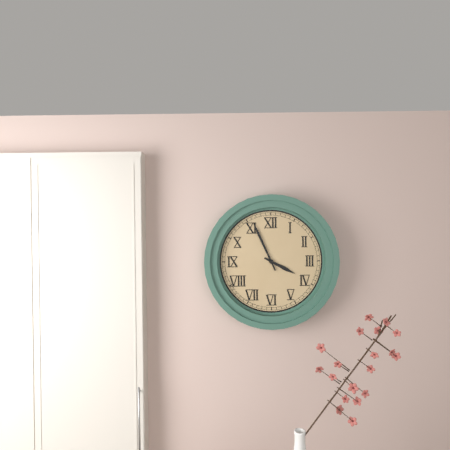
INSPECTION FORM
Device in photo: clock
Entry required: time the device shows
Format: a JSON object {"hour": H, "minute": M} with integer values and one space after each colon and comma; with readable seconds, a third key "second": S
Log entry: {"hour": 3, "minute": 56}
